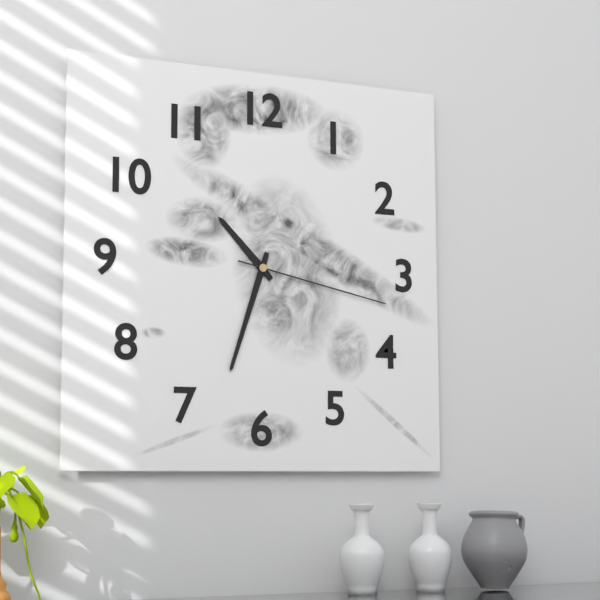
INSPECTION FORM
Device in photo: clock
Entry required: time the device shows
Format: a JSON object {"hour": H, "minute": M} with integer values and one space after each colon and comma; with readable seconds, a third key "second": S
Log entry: {"hour": 10, "minute": 33, "second": 17}
